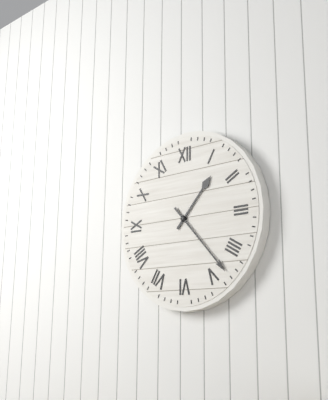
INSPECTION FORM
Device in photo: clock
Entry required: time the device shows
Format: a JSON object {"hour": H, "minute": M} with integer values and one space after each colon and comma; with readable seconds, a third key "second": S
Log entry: {"hour": 1, "minute": 23}
